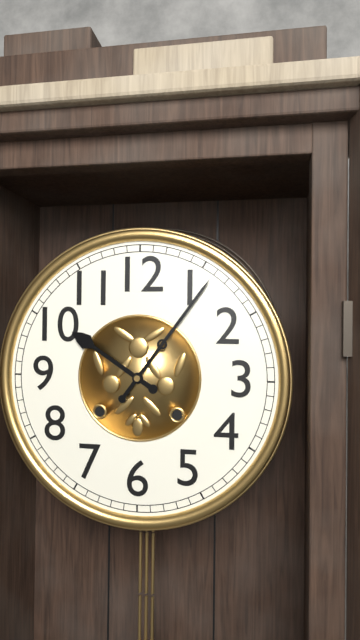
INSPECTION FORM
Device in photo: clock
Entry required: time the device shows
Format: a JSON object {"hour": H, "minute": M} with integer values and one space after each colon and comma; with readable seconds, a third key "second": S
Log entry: {"hour": 10, "minute": 6}
